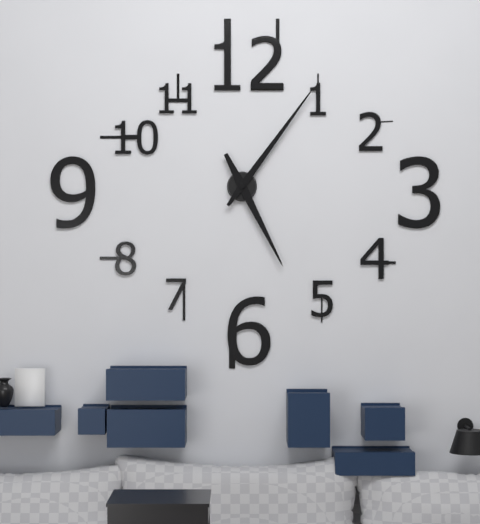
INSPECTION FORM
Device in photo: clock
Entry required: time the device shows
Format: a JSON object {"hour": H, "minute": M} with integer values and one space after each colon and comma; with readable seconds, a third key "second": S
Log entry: {"hour": 5, "minute": 6}
